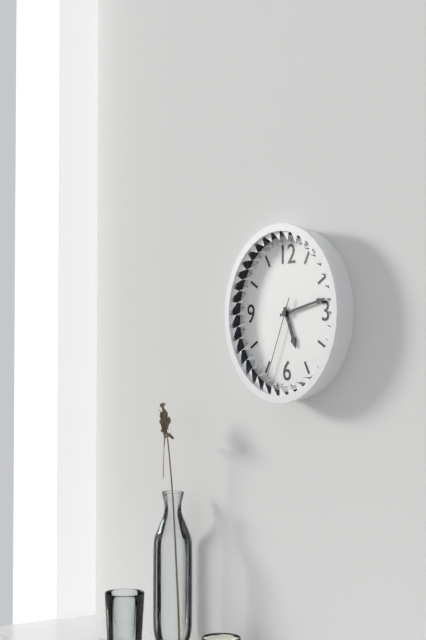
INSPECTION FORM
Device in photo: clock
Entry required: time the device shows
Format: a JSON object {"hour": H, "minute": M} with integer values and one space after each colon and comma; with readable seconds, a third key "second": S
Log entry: {"hour": 5, "minute": 13, "second": 34}
